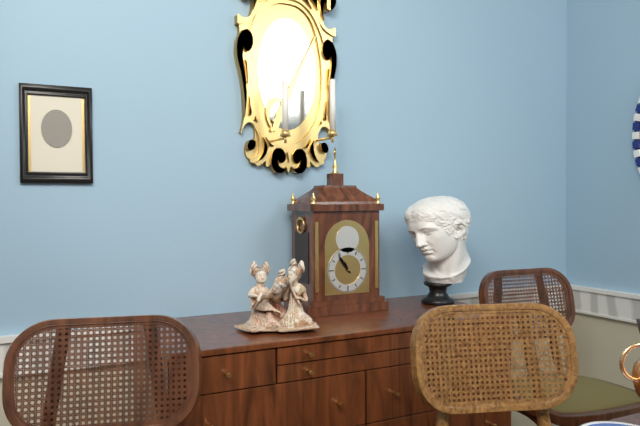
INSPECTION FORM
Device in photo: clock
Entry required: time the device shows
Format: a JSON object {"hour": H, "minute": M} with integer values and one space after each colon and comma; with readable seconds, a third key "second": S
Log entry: {"hour": 10, "minute": 54}
